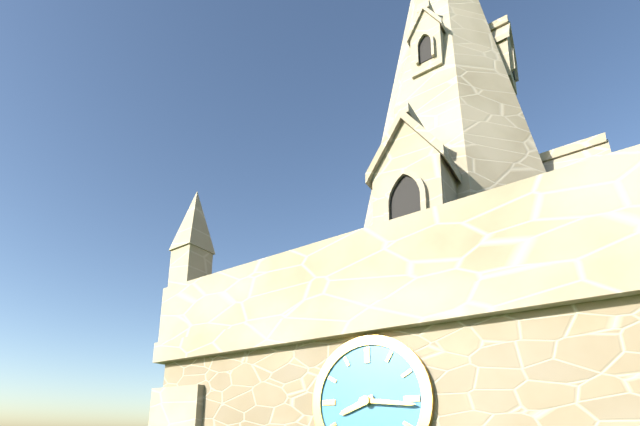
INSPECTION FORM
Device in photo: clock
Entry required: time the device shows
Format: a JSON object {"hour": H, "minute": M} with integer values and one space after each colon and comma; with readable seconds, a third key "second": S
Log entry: {"hour": 8, "minute": 16}
